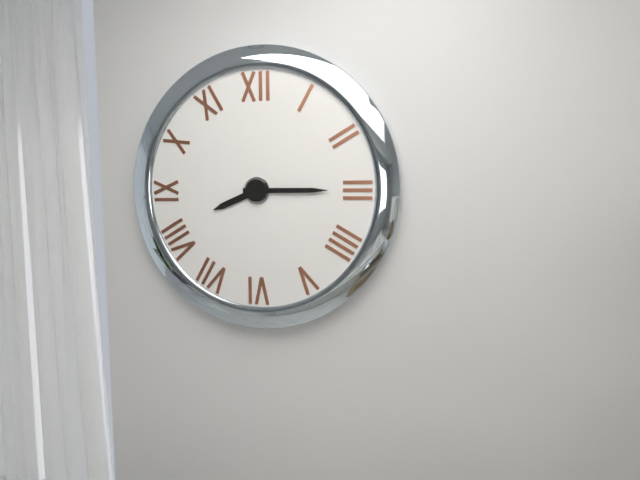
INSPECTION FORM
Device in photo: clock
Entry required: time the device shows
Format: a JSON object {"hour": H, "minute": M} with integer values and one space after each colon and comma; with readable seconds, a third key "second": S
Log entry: {"hour": 8, "minute": 15}
